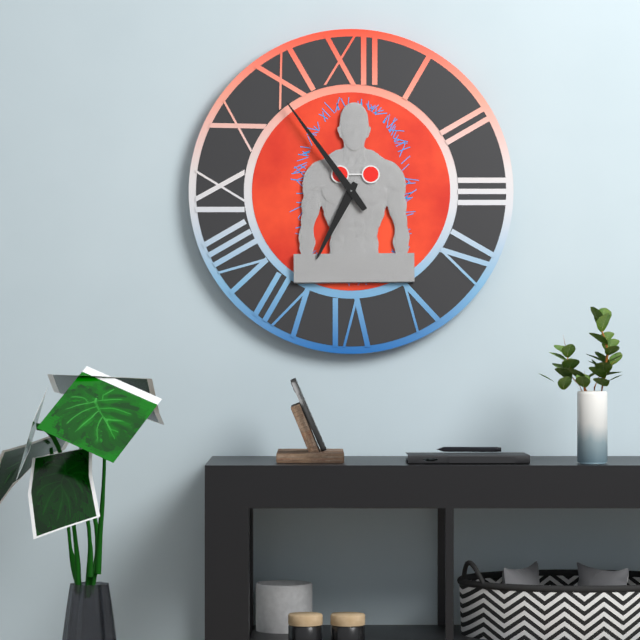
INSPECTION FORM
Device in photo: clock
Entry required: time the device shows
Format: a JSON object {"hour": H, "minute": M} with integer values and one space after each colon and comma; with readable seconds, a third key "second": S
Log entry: {"hour": 6, "minute": 54}
